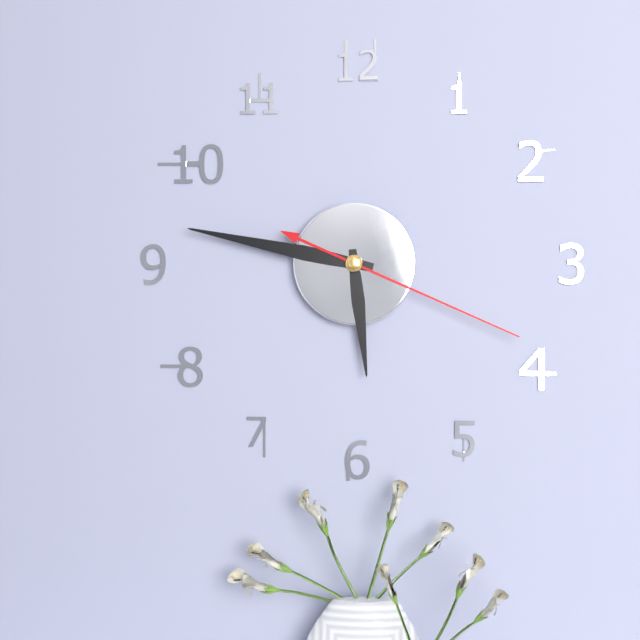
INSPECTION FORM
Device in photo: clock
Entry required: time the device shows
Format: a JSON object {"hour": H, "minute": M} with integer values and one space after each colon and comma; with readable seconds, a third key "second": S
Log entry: {"hour": 5, "minute": 47, "second": 19}
